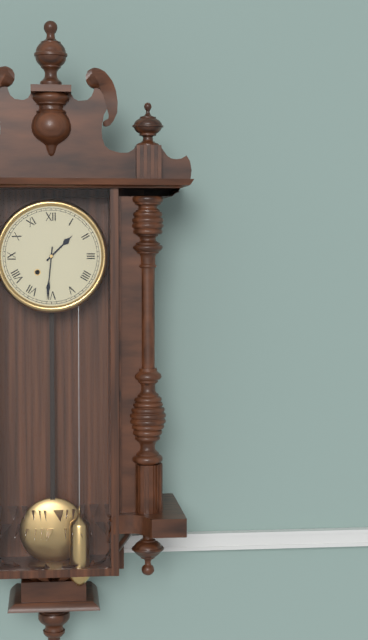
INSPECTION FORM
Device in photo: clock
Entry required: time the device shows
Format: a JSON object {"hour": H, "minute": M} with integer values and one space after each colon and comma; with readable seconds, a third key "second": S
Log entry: {"hour": 1, "minute": 31}
